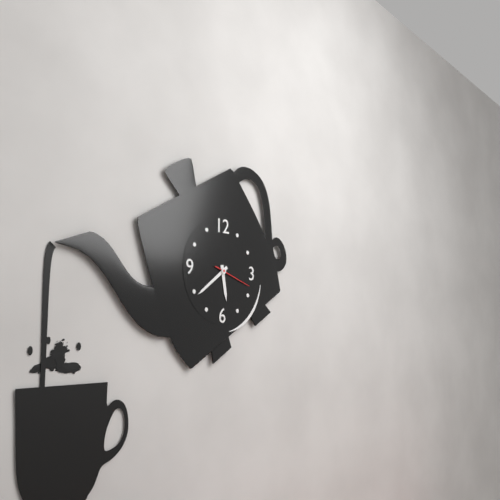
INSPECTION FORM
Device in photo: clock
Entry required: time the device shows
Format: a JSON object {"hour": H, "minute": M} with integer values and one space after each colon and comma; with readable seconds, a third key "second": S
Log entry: {"hour": 5, "minute": 39}
